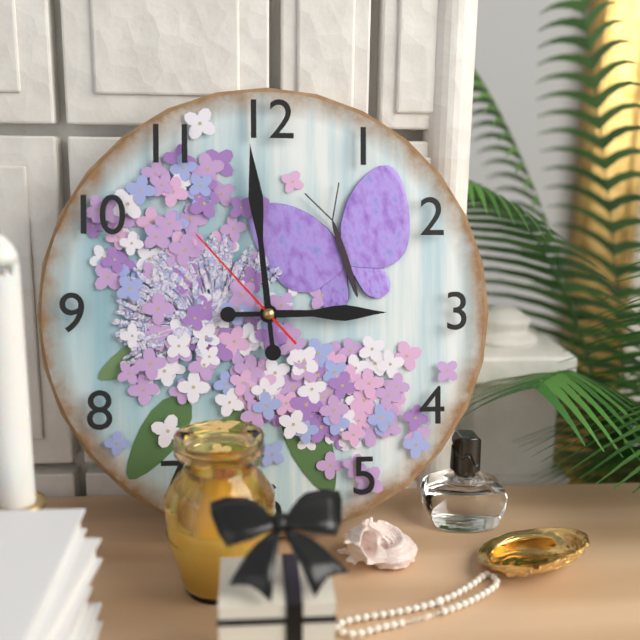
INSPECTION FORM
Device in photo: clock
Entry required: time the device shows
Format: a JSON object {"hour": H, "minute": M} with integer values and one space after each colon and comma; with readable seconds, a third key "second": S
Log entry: {"hour": 2, "minute": 59, "second": 53}
